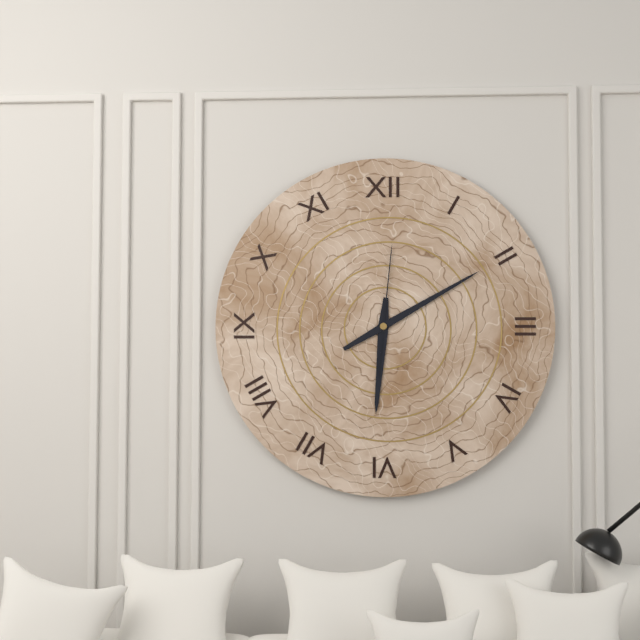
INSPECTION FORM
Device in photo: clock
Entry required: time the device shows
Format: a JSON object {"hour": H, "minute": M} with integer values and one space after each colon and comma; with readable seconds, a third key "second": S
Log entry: {"hour": 6, "minute": 10, "second": 1}
